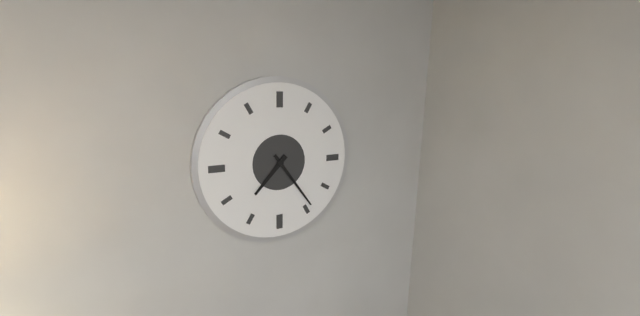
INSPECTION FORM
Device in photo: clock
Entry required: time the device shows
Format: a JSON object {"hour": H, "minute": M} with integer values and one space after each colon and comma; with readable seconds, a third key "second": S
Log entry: {"hour": 7, "minute": 24}
